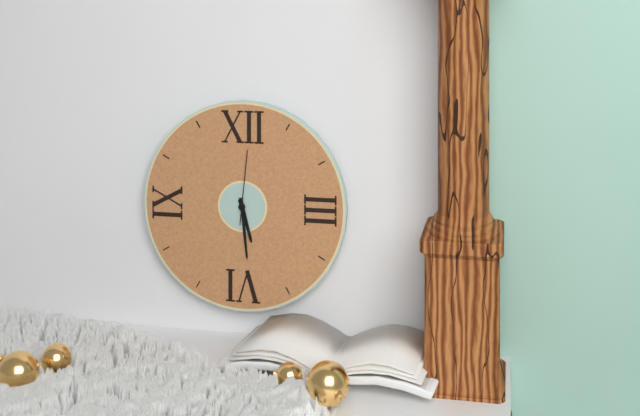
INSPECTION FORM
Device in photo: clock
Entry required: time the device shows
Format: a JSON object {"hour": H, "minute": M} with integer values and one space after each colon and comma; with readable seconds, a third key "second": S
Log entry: {"hour": 5, "minute": 29, "second": 1}
